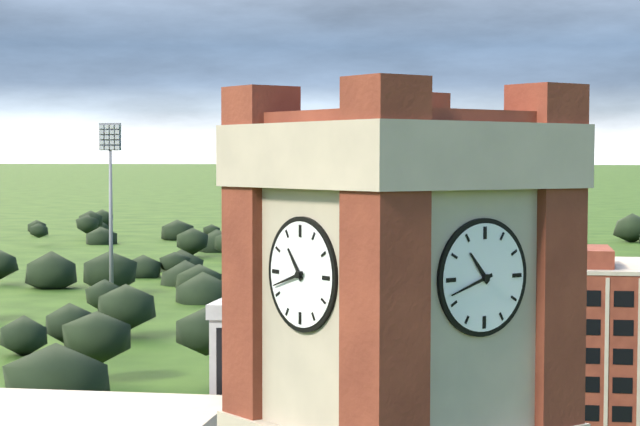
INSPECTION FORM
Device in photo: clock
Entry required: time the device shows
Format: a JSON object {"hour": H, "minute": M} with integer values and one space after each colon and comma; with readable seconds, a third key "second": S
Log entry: {"hour": 10, "minute": 42}
